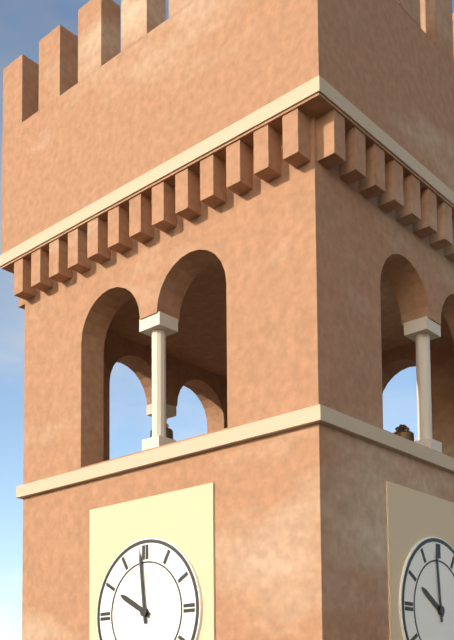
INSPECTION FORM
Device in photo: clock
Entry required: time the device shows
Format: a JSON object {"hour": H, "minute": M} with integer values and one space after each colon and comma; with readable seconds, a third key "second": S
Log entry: {"hour": 9, "minute": 59}
